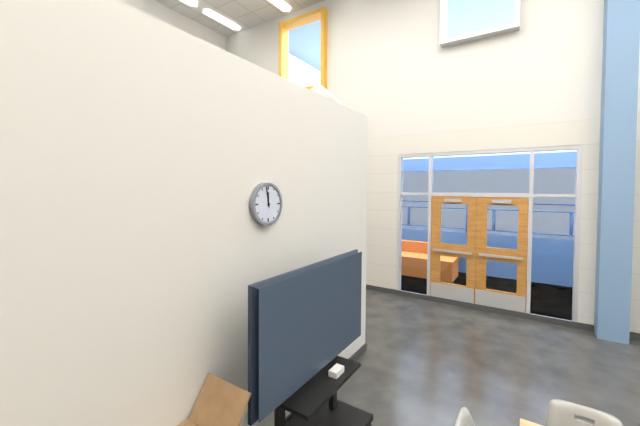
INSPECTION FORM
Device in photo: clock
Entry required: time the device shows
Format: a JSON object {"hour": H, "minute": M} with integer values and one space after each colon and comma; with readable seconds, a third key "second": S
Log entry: {"hour": 11, "minute": 58}
